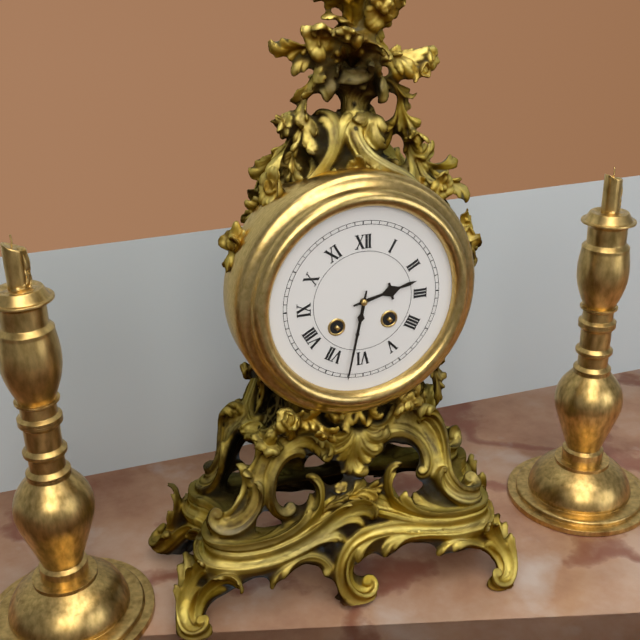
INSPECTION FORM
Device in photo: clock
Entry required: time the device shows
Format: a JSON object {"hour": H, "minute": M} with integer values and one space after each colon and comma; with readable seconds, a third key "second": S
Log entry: {"hour": 2, "minute": 32}
